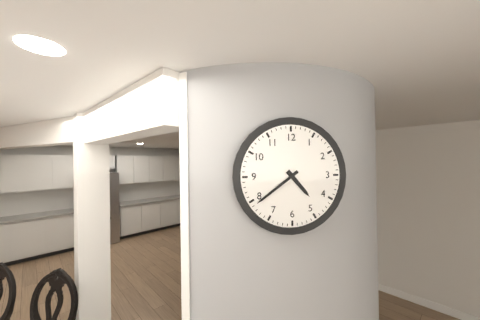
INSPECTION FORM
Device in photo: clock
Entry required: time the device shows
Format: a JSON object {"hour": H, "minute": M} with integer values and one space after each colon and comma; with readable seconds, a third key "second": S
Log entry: {"hour": 4, "minute": 39}
